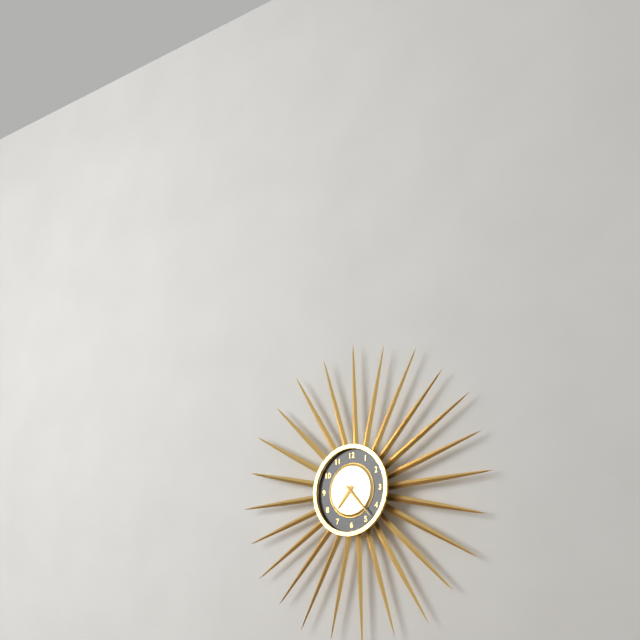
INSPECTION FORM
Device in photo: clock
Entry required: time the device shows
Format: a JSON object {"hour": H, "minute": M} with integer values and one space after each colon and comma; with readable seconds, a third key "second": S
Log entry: {"hour": 7, "minute": 23}
